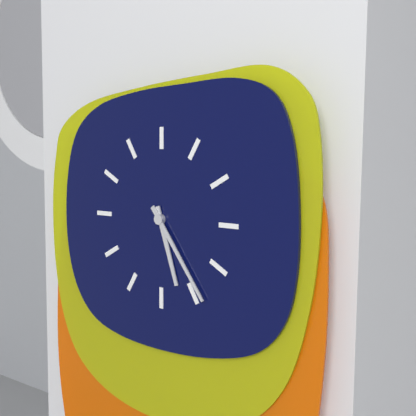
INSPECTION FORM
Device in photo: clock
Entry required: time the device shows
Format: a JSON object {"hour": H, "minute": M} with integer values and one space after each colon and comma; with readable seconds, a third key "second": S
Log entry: {"hour": 5, "minute": 24}
